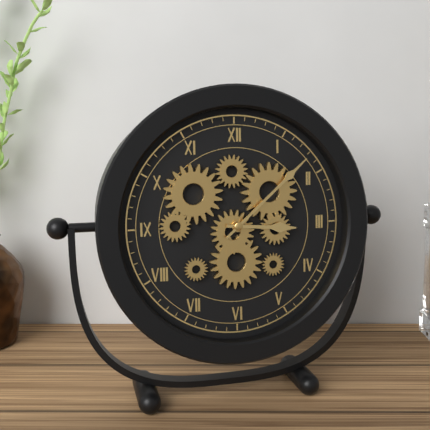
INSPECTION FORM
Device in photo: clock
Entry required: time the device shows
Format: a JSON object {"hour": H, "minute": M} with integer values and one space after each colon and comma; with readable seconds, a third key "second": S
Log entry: {"hour": 3, "minute": 8}
